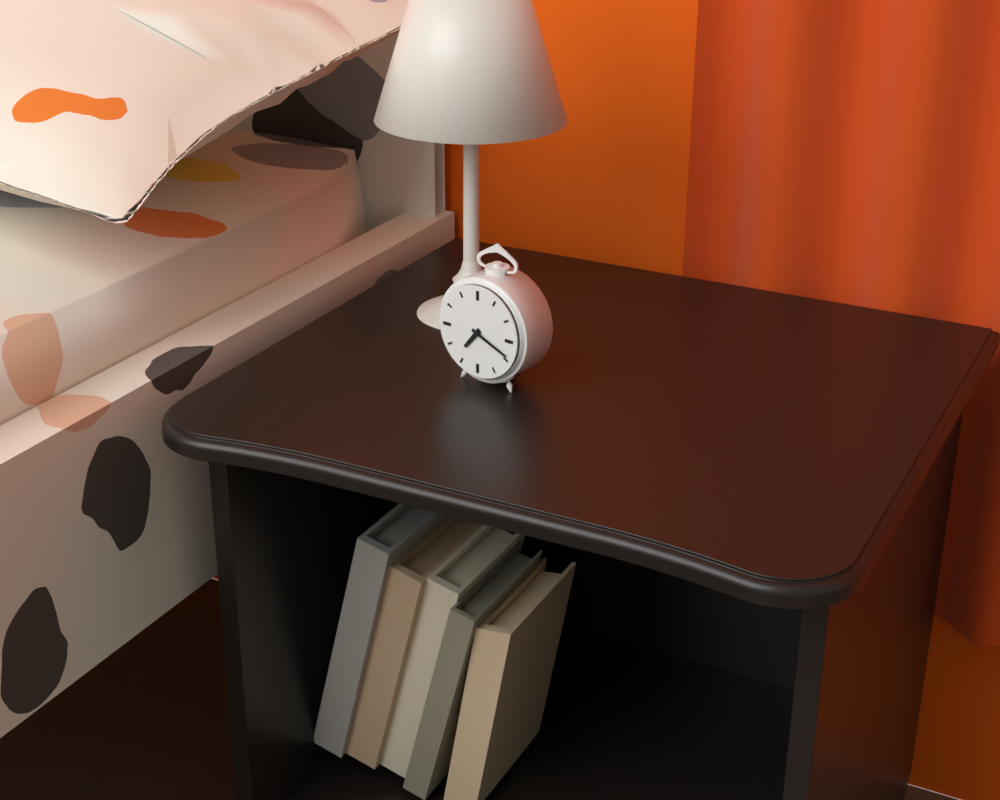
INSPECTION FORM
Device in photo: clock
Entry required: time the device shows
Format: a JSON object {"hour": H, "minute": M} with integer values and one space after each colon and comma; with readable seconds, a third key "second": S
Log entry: {"hour": 7, "minute": 19}
